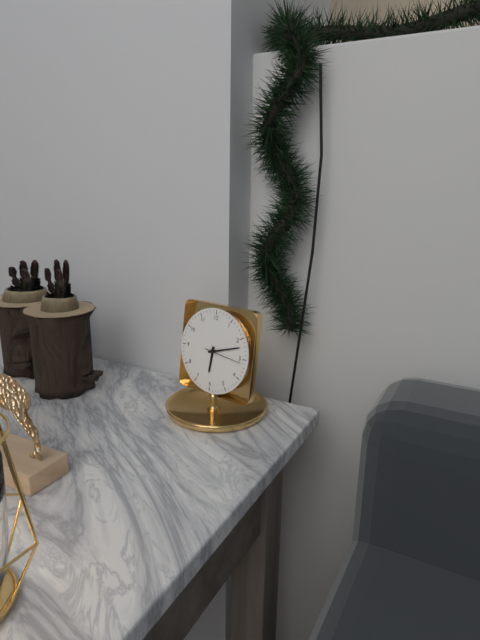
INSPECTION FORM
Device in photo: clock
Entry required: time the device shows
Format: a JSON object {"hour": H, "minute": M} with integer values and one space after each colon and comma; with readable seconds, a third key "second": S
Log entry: {"hour": 6, "minute": 12}
